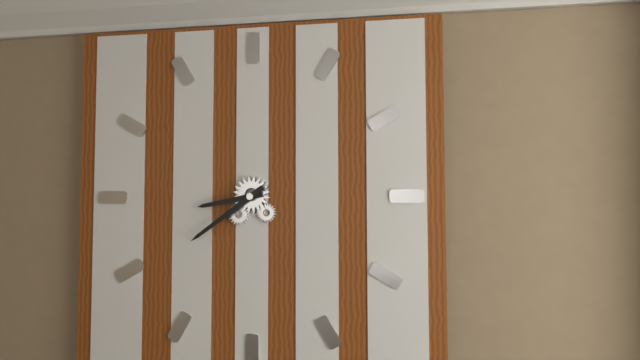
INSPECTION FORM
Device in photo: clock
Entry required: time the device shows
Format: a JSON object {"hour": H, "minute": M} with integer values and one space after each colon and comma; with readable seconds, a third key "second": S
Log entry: {"hour": 8, "minute": 39}
